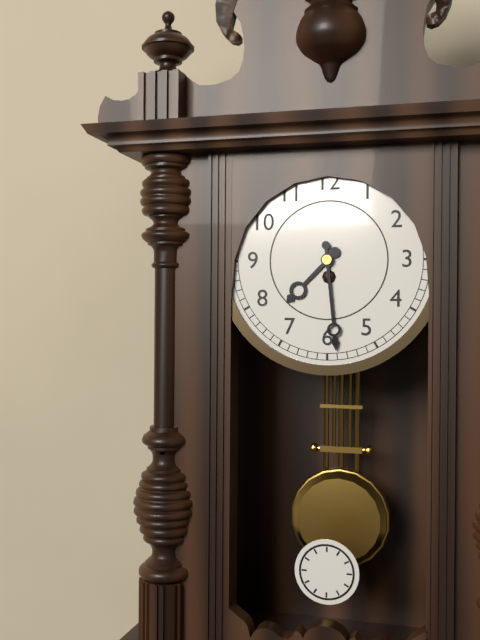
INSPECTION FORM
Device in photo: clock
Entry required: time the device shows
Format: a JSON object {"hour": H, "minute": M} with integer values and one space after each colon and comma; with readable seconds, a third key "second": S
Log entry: {"hour": 7, "minute": 29}
